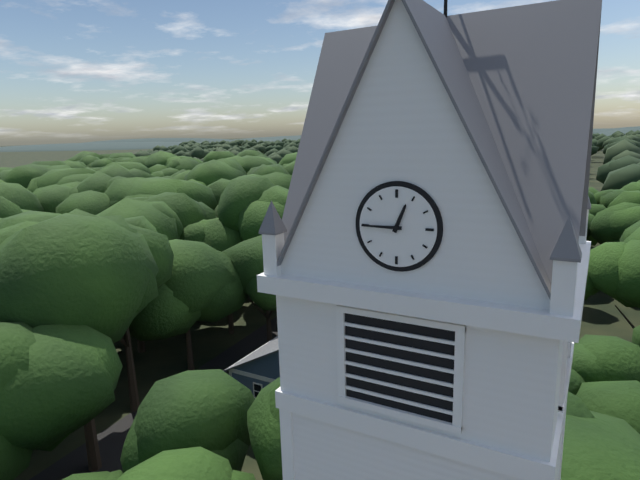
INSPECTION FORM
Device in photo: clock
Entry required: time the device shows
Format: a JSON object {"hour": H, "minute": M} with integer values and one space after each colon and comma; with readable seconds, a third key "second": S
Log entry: {"hour": 12, "minute": 45}
